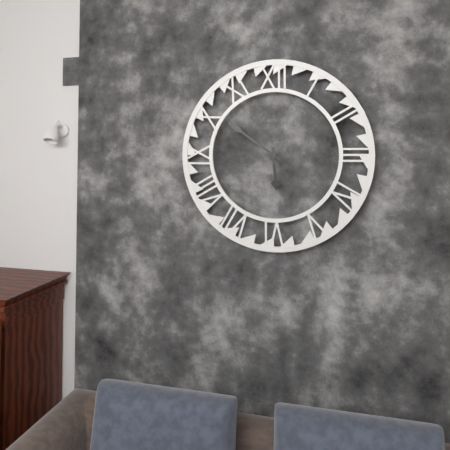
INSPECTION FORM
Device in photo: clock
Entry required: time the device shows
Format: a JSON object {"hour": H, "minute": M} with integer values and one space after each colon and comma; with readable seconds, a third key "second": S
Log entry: {"hour": 5, "minute": 51}
